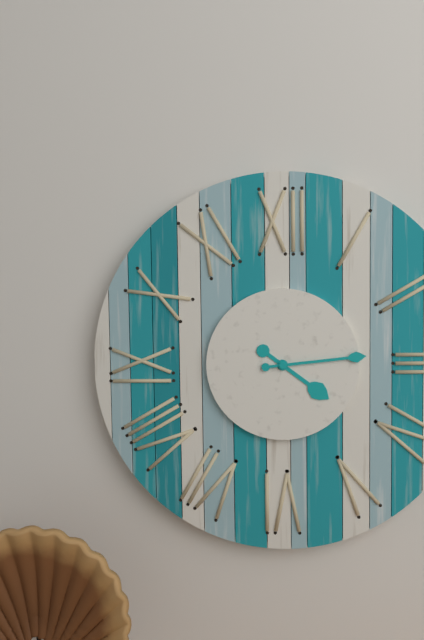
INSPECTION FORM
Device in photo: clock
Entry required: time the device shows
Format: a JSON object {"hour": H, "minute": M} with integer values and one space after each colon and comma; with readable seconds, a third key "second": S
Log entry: {"hour": 4, "minute": 14}
